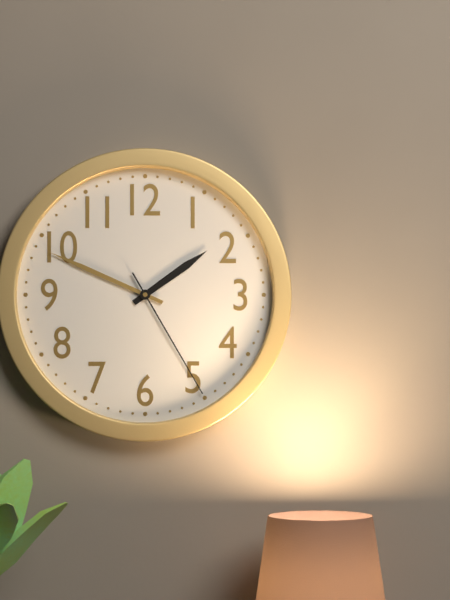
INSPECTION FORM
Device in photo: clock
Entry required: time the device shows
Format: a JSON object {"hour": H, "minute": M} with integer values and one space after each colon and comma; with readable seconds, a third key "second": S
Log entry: {"hour": 1, "minute": 49, "second": 25}
